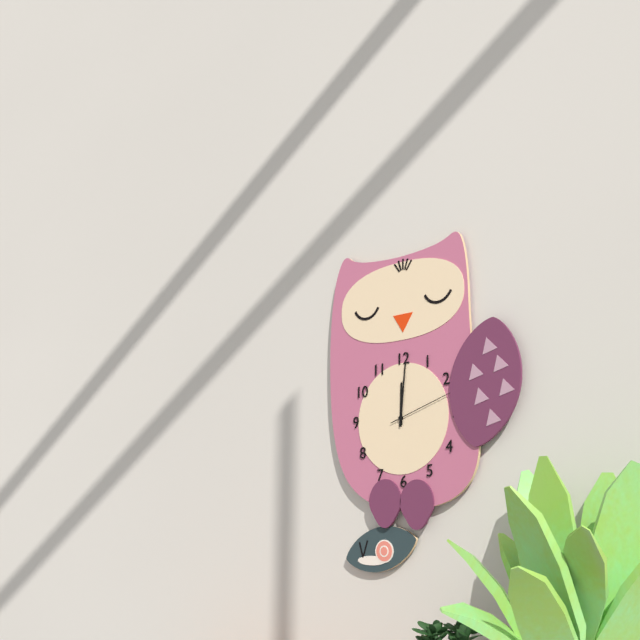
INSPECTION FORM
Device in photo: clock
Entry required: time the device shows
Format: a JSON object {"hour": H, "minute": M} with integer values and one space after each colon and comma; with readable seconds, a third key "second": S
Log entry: {"hour": 12, "minute": 1, "second": 12}
